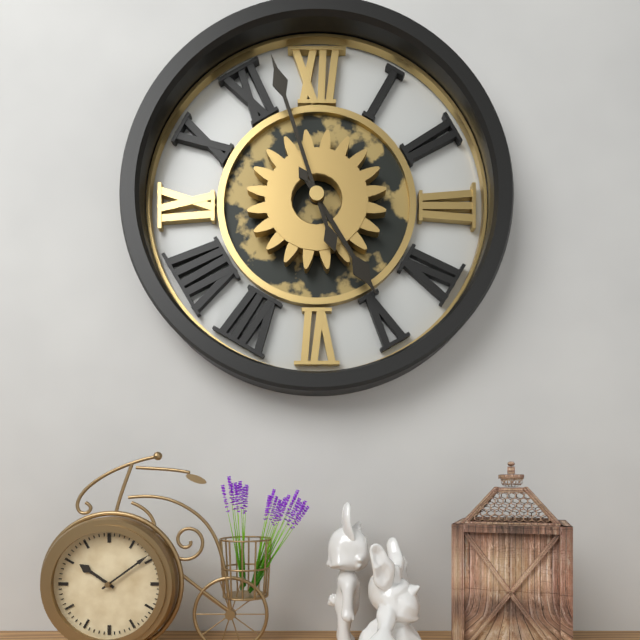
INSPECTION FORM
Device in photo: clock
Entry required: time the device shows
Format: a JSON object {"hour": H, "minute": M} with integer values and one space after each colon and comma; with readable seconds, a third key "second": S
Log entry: {"hour": 4, "minute": 57}
